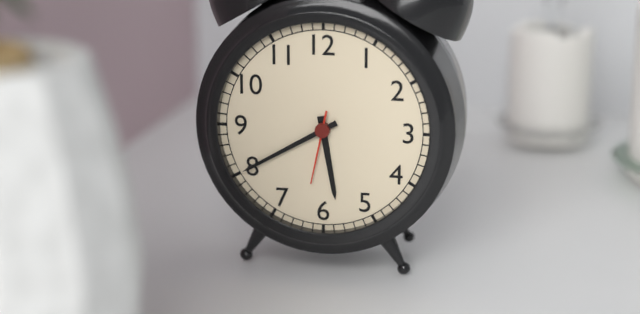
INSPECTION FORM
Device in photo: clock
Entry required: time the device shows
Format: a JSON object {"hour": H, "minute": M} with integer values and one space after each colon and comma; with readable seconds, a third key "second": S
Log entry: {"hour": 5, "minute": 40, "second": 32}
